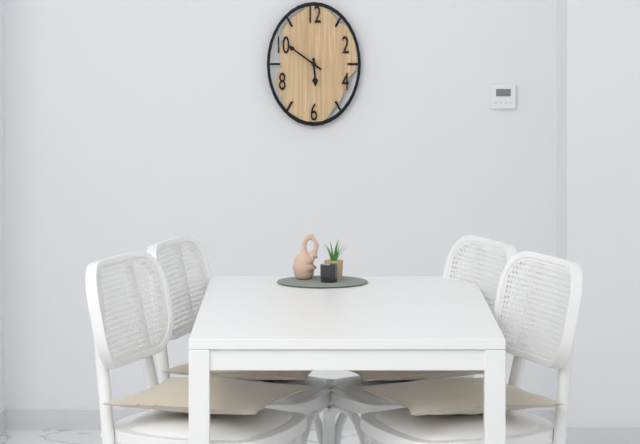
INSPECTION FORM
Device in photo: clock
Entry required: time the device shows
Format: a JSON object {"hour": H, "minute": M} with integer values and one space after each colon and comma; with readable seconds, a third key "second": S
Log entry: {"hour": 5, "minute": 51}
